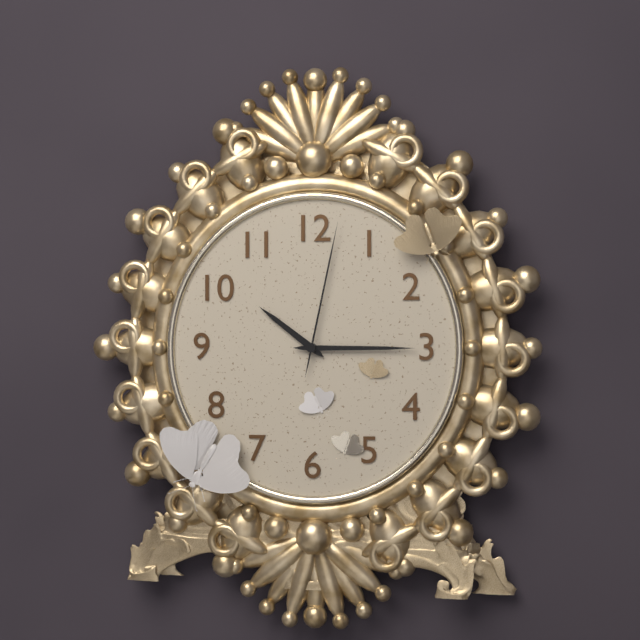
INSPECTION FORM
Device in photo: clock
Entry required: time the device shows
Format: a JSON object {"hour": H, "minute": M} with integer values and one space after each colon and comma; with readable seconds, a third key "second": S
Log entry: {"hour": 10, "minute": 15, "second": 2}
